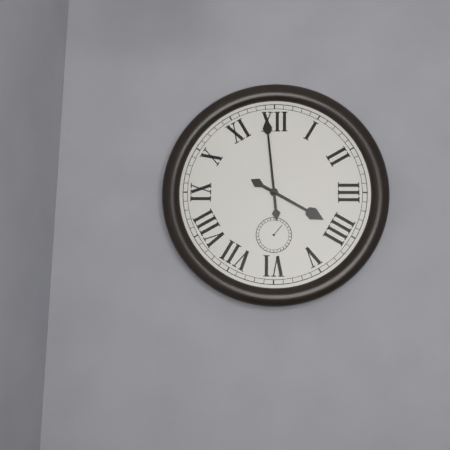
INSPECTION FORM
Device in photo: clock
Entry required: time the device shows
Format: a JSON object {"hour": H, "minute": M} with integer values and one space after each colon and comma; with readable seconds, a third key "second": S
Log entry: {"hour": 3, "minute": 59}
